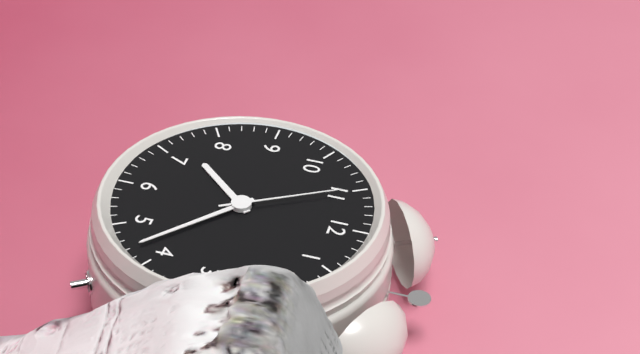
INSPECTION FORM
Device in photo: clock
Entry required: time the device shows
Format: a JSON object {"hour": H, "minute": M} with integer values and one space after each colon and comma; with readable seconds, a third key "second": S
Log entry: {"hour": 7, "minute": 22, "second": 55}
